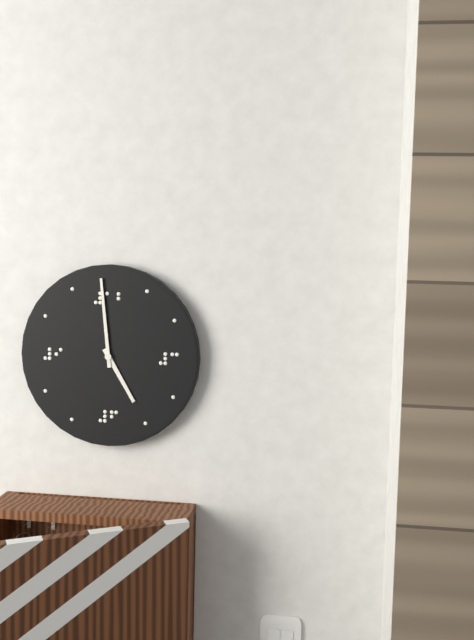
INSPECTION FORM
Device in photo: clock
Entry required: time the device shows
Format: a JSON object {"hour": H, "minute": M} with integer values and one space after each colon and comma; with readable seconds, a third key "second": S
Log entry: {"hour": 4, "minute": 59}
